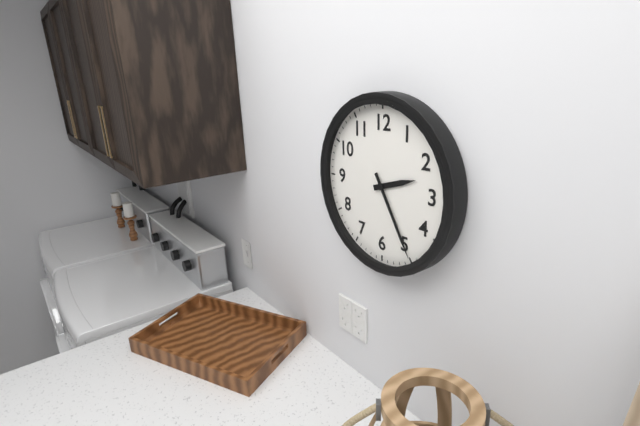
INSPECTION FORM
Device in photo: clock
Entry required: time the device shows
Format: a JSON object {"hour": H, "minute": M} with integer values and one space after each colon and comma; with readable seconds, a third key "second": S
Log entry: {"hour": 2, "minute": 25}
